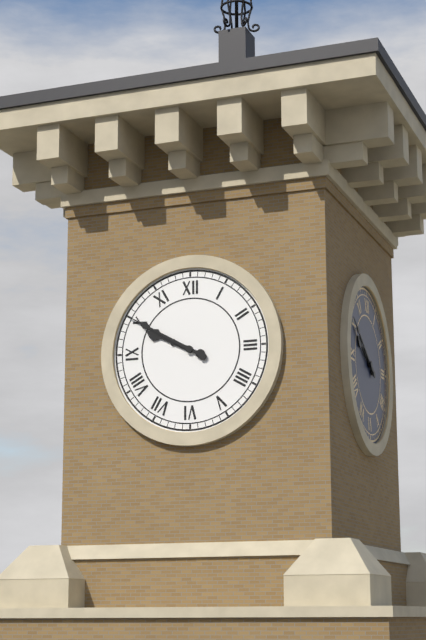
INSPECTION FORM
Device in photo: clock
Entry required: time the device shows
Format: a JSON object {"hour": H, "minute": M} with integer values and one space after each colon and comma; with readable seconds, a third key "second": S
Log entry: {"hour": 9, "minute": 50}
